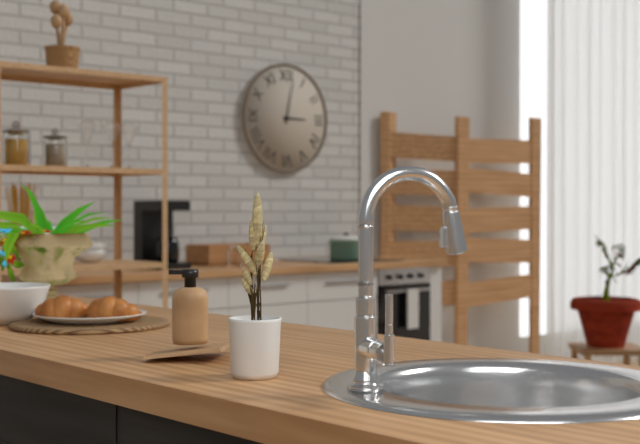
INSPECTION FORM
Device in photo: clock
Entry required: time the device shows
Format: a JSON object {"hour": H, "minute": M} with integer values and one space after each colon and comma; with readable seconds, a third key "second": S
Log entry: {"hour": 3, "minute": 2}
